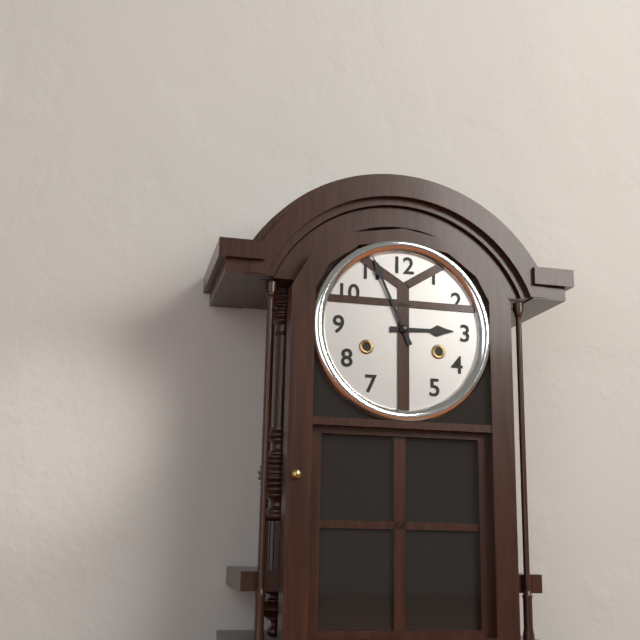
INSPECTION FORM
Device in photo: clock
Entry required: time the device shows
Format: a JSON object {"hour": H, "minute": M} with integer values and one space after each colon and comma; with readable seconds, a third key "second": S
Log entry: {"hour": 2, "minute": 56}
